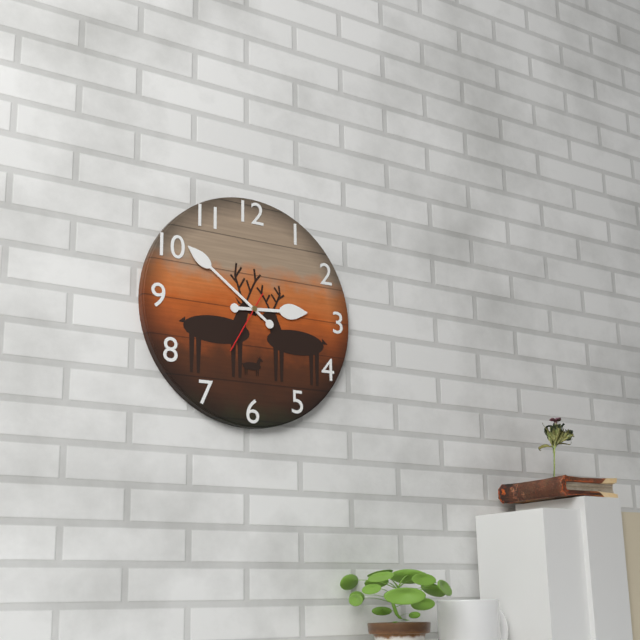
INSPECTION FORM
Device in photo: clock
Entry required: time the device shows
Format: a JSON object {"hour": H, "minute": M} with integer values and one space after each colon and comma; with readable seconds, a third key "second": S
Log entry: {"hour": 2, "minute": 51, "second": 35}
